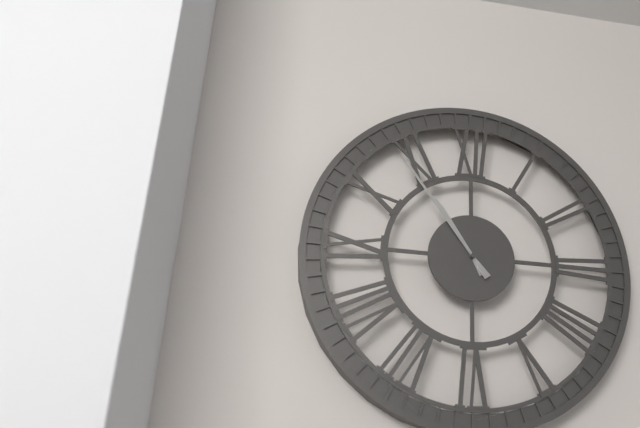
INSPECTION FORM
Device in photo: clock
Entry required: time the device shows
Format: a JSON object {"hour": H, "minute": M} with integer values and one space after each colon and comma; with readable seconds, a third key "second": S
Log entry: {"hour": 10, "minute": 54}
